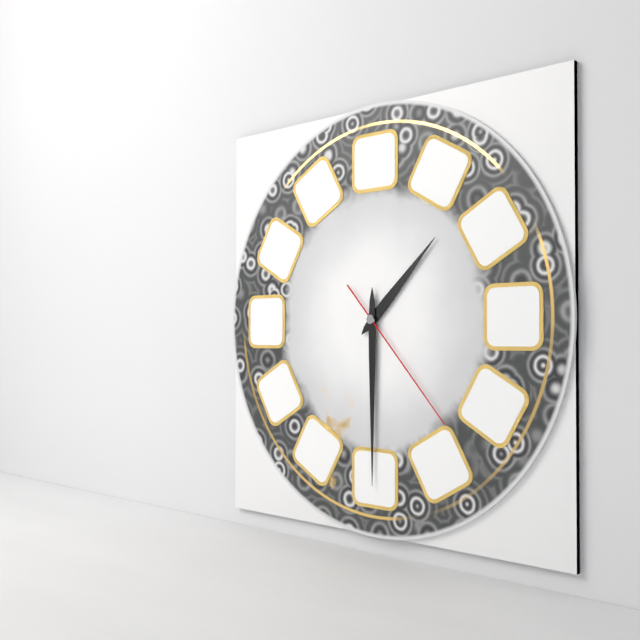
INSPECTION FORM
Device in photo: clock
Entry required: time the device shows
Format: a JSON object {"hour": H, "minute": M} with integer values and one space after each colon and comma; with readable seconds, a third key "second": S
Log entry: {"hour": 1, "minute": 30, "second": 23}
